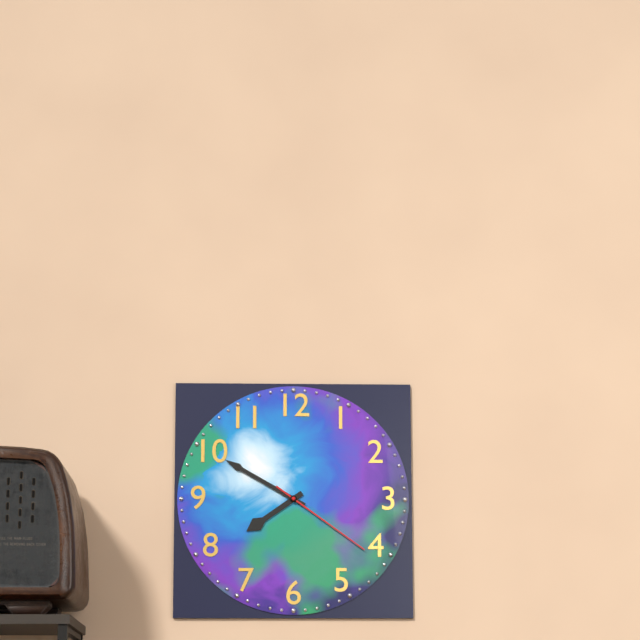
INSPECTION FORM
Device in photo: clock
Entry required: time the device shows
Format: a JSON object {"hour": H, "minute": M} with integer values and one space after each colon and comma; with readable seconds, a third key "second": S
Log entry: {"hour": 7, "minute": 50, "second": 21}
